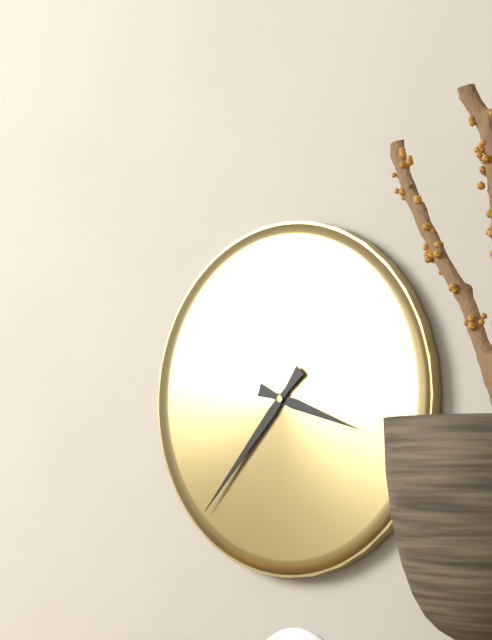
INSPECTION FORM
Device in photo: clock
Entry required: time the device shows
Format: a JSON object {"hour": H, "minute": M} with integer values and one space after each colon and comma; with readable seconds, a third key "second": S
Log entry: {"hour": 3, "minute": 37}
